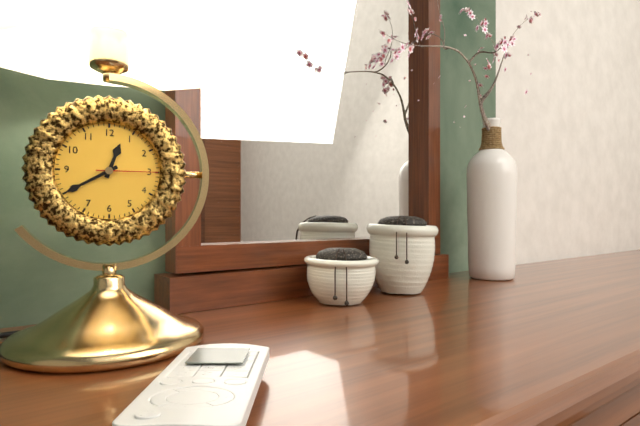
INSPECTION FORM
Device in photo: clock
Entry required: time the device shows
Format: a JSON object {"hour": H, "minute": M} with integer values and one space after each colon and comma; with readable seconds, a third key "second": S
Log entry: {"hour": 12, "minute": 40, "second": 15}
